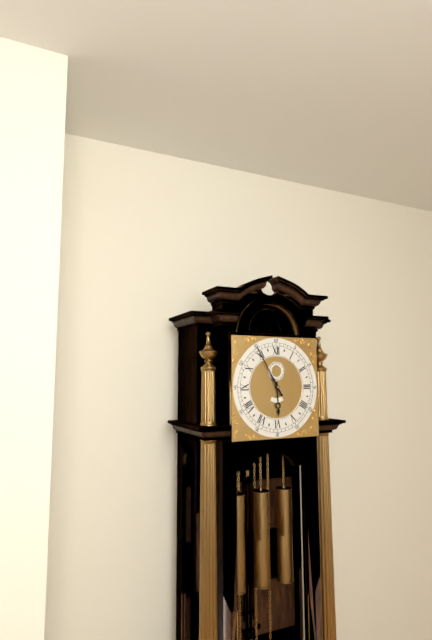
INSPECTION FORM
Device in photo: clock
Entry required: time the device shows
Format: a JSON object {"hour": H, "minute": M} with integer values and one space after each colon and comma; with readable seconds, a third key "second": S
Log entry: {"hour": 5, "minute": 55}
